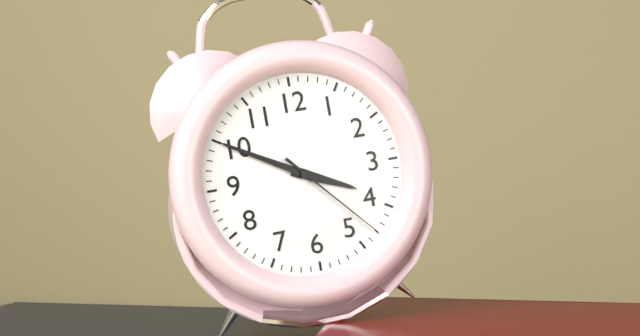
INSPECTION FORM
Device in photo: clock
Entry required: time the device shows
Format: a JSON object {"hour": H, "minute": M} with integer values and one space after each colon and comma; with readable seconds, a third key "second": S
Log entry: {"hour": 3, "minute": 50, "second": 23}
